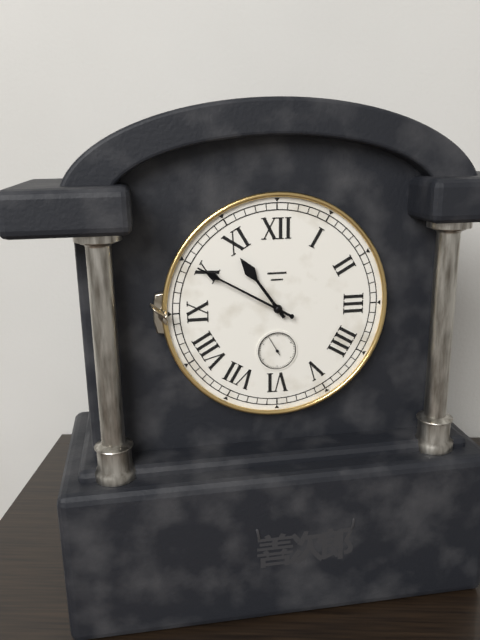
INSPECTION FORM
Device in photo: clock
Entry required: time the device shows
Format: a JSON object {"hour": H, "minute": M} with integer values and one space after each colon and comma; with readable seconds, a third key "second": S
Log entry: {"hour": 10, "minute": 50}
